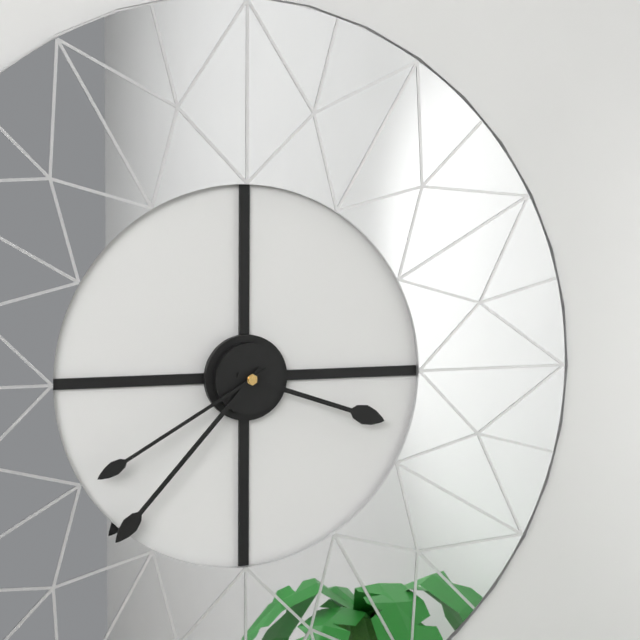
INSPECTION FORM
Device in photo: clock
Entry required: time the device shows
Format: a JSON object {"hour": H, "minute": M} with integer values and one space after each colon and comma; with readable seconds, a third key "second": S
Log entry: {"hour": 3, "minute": 37, "second": 40}
